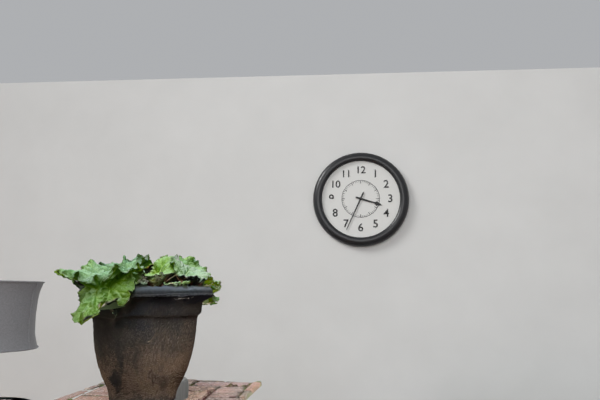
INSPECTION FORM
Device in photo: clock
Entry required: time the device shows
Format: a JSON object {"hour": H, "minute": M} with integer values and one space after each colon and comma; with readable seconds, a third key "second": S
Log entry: {"hour": 3, "minute": 34}
